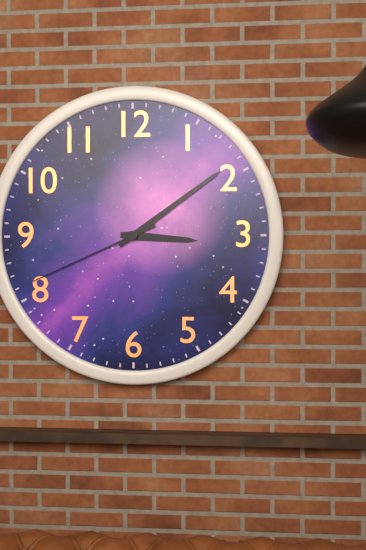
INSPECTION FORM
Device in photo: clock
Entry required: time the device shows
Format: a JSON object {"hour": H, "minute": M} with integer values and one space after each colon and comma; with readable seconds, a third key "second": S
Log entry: {"hour": 3, "minute": 9, "second": 41}
